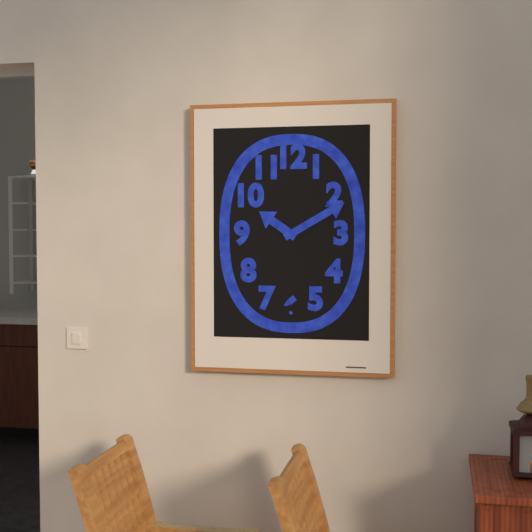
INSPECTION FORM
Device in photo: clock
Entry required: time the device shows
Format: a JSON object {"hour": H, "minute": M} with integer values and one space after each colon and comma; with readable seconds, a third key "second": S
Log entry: {"hour": 10, "minute": 10}
